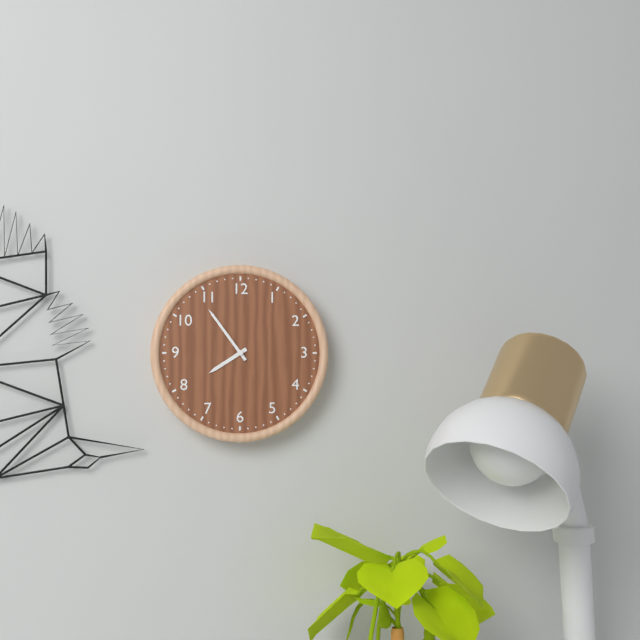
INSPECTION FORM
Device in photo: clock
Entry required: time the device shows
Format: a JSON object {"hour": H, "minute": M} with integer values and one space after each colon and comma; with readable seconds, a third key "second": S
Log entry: {"hour": 7, "minute": 54}
